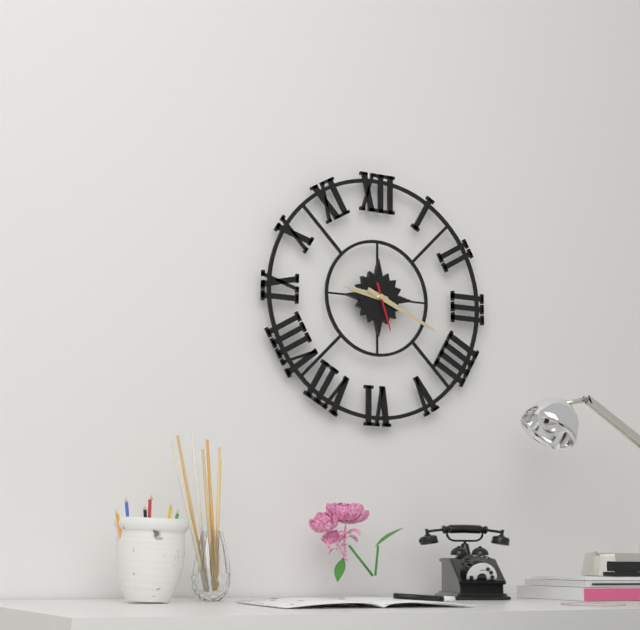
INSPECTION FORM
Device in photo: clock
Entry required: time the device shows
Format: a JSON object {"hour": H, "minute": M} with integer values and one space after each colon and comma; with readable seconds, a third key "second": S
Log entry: {"hour": 9, "minute": 19}
